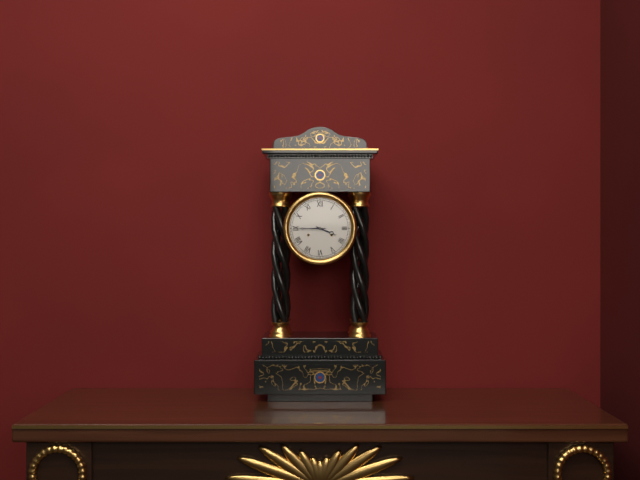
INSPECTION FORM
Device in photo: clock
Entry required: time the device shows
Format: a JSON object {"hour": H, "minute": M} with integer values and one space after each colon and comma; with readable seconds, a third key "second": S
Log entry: {"hour": 3, "minute": 45}
